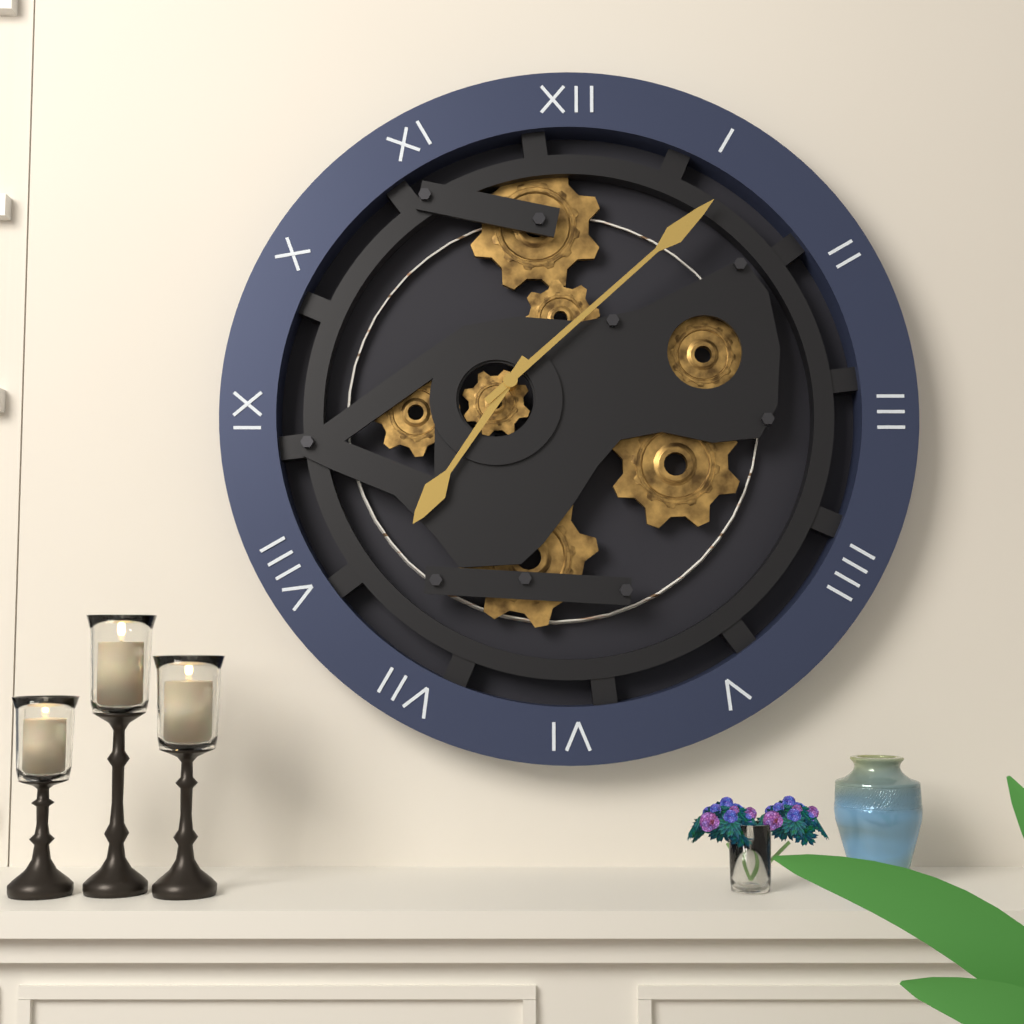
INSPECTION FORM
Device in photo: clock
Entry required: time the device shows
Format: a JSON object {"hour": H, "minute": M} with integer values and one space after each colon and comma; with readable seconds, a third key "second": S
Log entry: {"hour": 7, "minute": 8}
